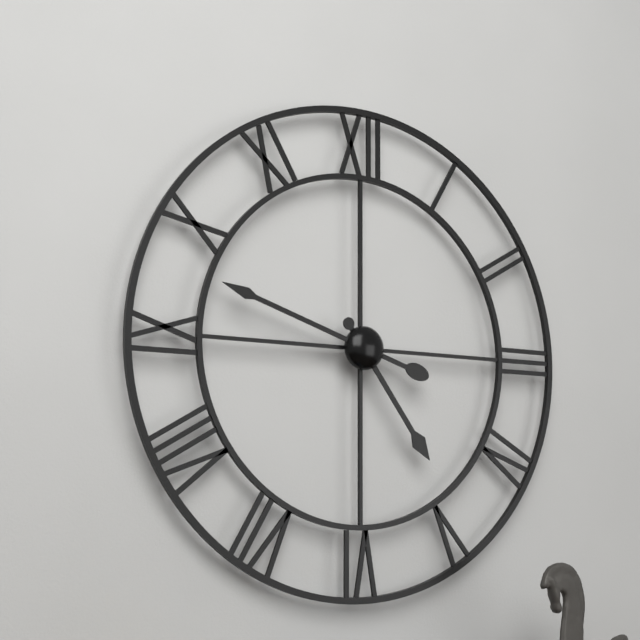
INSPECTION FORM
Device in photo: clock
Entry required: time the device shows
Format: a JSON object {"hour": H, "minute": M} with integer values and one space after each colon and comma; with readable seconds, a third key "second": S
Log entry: {"hour": 4, "minute": 48}
